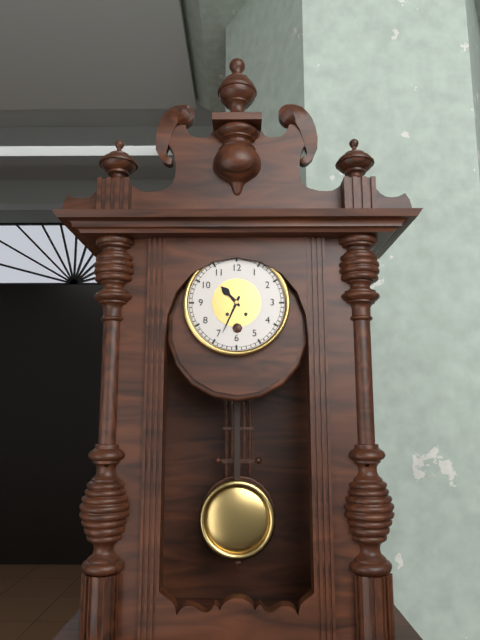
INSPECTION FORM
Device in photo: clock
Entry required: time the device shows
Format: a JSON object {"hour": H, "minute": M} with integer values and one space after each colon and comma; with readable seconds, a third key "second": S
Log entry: {"hour": 10, "minute": 34}
